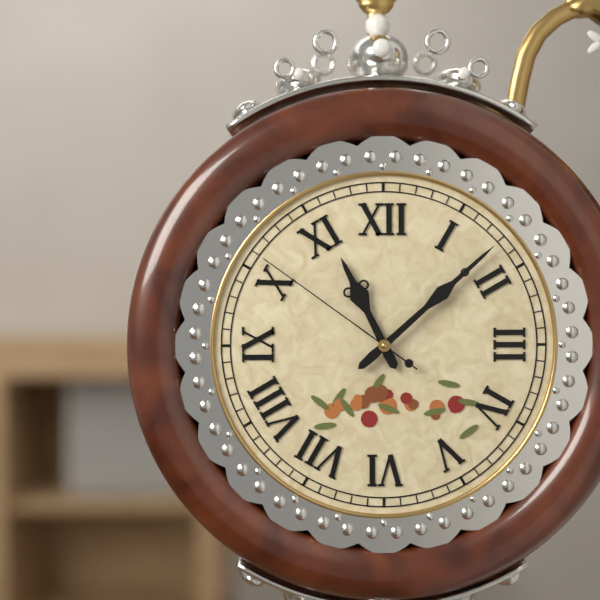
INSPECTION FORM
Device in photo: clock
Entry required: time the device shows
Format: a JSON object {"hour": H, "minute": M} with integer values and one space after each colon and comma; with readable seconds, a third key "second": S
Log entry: {"hour": 11, "minute": 8, "second": 51}
